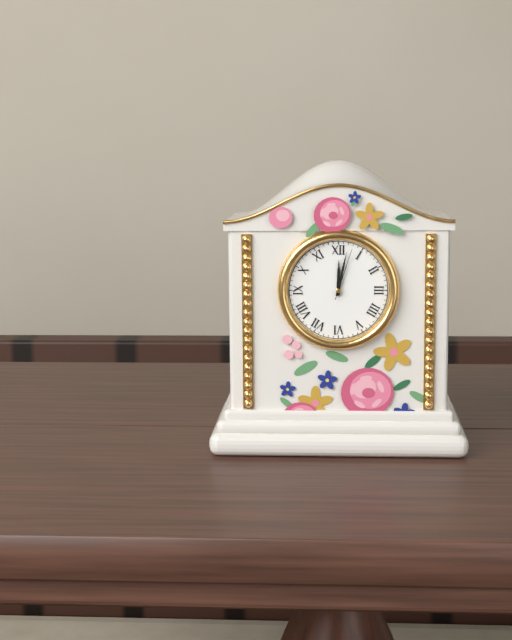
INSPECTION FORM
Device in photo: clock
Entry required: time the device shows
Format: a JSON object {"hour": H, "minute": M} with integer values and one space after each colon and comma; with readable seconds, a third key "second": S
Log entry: {"hour": 12, "minute": 2, "second": 3}
